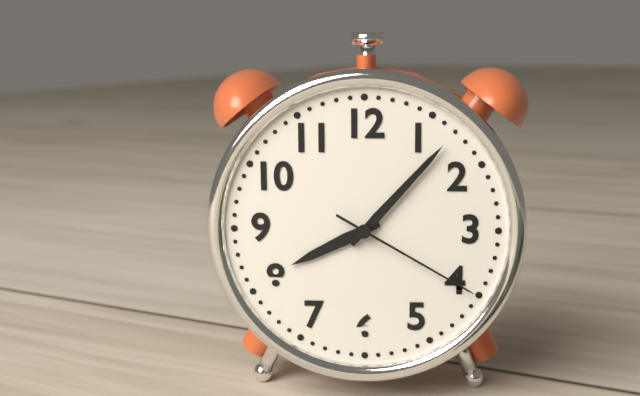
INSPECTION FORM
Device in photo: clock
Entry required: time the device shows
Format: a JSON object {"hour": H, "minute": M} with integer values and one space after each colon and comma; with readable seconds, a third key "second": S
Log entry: {"hour": 8, "minute": 7, "second": 20}
